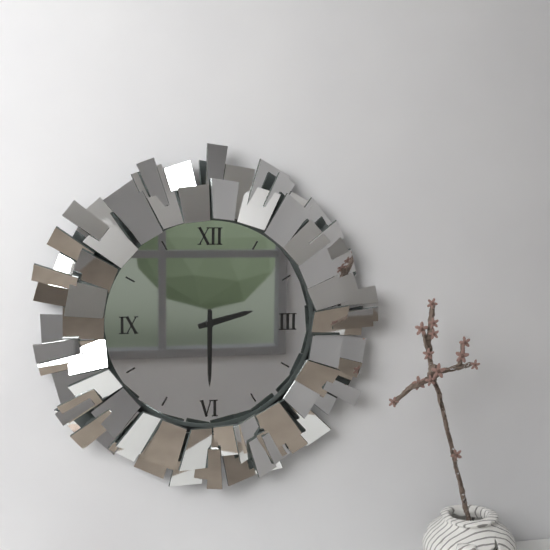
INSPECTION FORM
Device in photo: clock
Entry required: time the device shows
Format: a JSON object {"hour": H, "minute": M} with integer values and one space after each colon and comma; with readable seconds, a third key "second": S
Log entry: {"hour": 2, "minute": 30}
